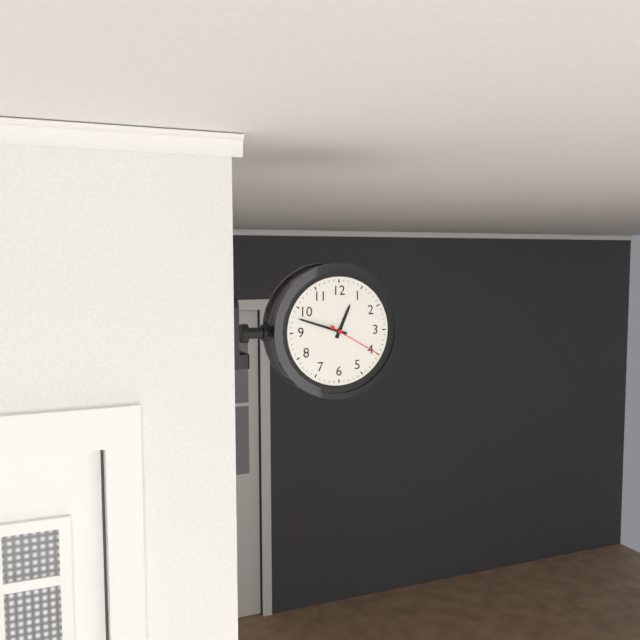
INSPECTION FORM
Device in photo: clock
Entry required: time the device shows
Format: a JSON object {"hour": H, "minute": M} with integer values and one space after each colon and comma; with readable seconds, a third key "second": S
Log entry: {"hour": 12, "minute": 48, "second": 20}
